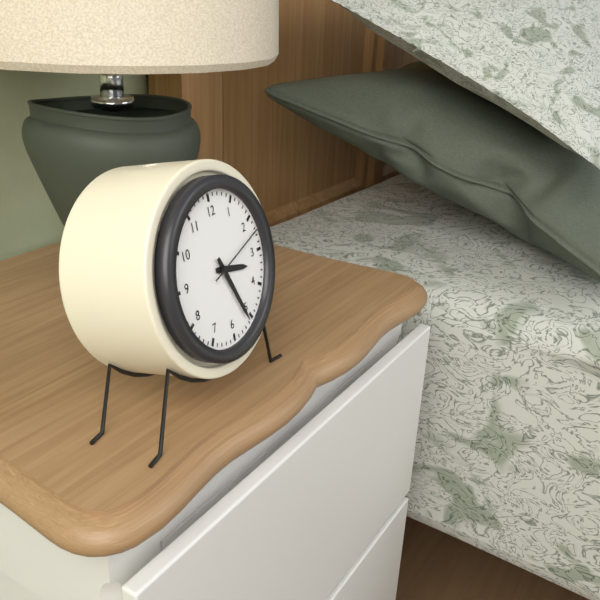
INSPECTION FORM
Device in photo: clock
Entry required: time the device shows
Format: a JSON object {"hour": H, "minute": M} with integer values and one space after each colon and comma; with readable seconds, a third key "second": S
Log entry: {"hour": 3, "minute": 26, "second": 12}
